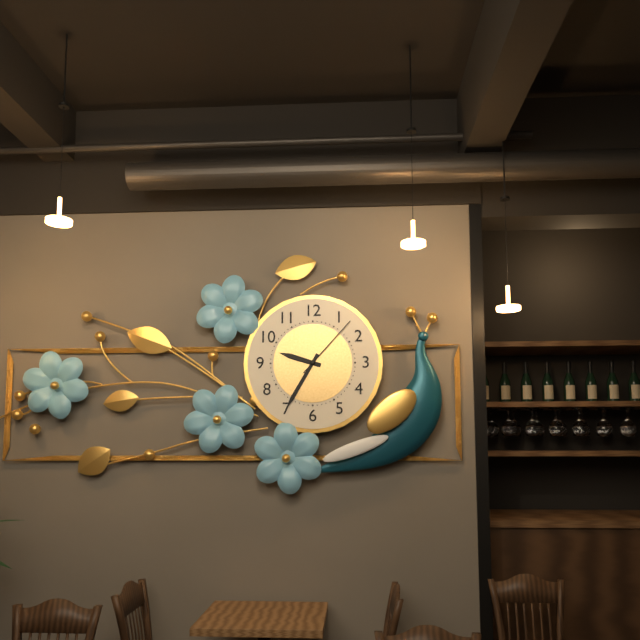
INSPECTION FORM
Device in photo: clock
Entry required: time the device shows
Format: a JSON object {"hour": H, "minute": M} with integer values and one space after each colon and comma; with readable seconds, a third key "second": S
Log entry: {"hour": 9, "minute": 35, "second": 7}
